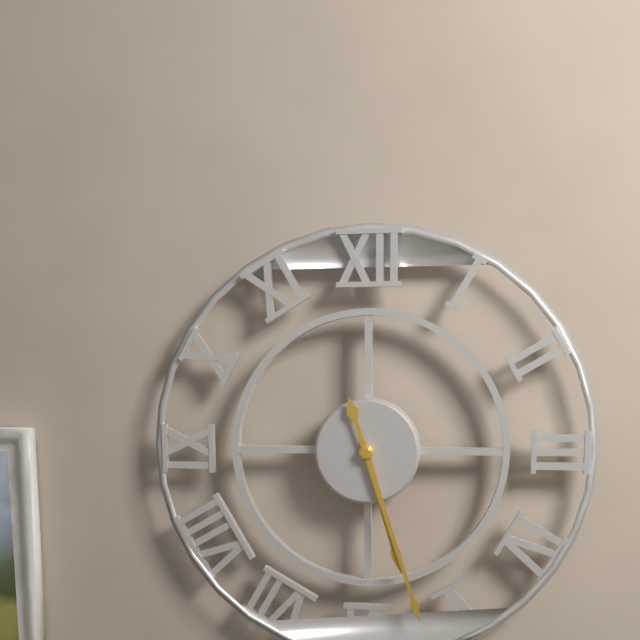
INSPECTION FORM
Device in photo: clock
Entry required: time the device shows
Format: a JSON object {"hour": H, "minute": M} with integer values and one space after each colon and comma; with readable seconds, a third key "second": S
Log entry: {"hour": 5, "minute": 27}
